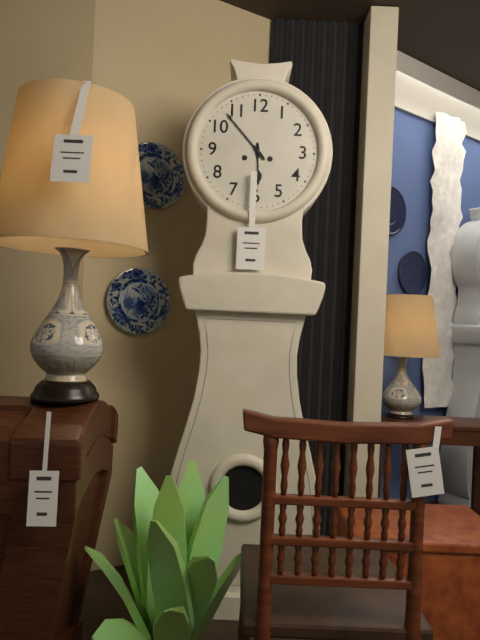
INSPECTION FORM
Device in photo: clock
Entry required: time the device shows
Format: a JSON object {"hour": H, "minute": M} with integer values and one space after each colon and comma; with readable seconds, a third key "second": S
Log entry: {"hour": 5, "minute": 53}
